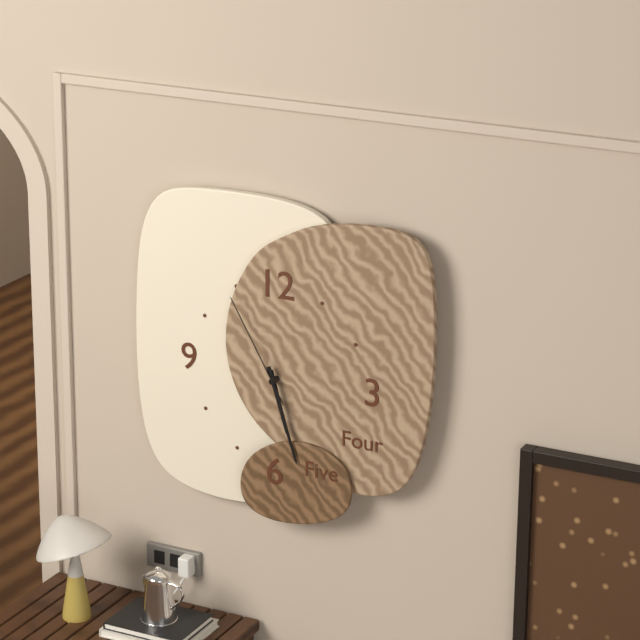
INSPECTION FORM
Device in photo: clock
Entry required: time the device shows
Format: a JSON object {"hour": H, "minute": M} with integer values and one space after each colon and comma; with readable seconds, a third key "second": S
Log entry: {"hour": 5, "minute": 27, "second": 55}
